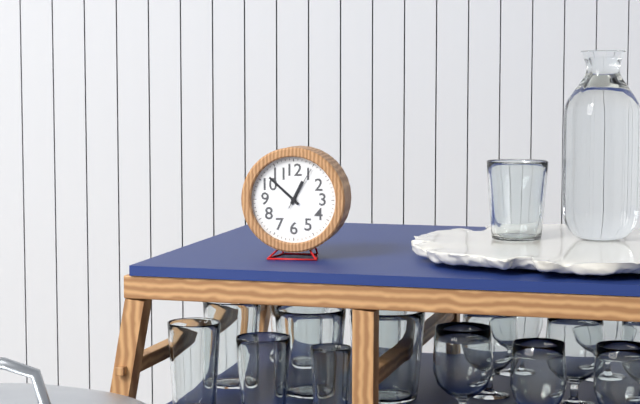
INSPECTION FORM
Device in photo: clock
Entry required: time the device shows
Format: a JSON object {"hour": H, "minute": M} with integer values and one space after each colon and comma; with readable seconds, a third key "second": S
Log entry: {"hour": 12, "minute": 52}
